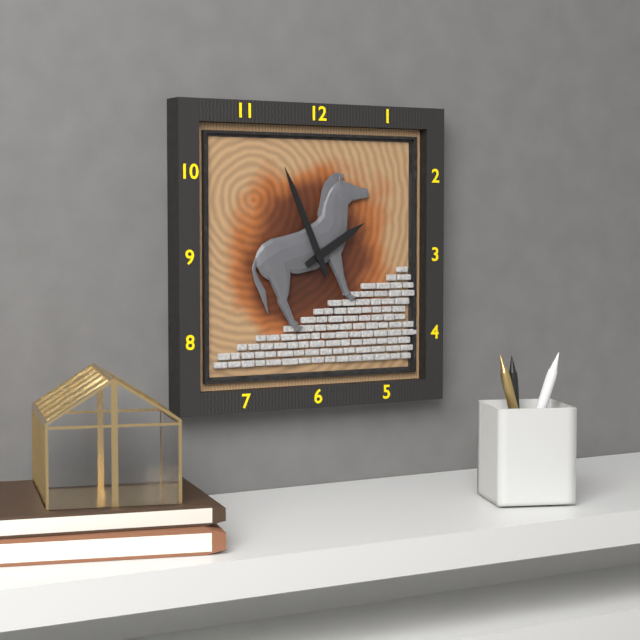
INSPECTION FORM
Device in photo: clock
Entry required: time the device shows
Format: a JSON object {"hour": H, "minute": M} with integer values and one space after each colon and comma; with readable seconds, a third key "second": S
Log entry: {"hour": 1, "minute": 56}
